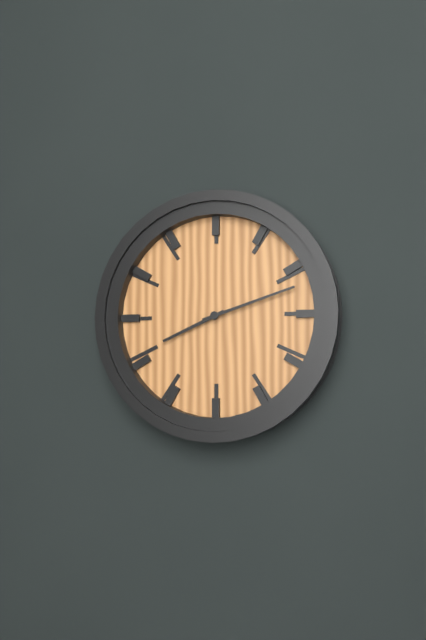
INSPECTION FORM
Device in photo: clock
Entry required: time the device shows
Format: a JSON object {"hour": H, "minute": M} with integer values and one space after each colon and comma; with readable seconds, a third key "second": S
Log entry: {"hour": 8, "minute": 12}
